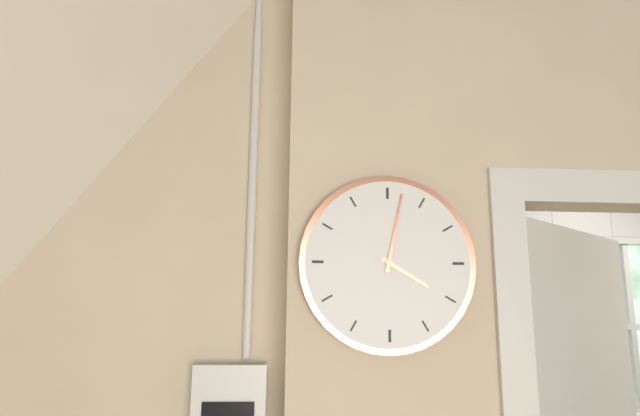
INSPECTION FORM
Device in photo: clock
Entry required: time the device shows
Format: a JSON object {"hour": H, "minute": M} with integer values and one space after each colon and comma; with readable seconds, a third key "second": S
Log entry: {"hour": 4, "minute": 2}
